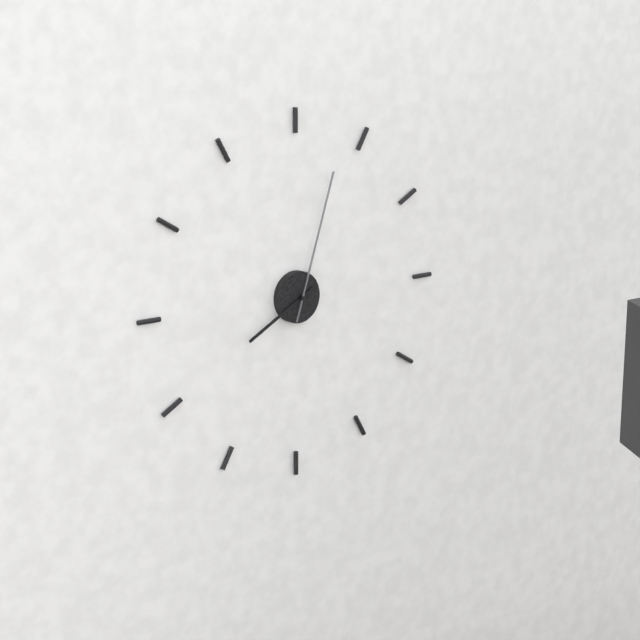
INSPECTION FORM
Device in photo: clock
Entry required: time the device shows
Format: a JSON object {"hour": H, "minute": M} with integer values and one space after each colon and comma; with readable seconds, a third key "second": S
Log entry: {"hour": 8, "minute": 3}
